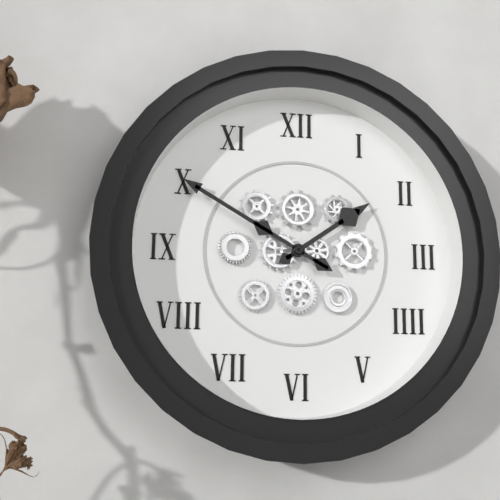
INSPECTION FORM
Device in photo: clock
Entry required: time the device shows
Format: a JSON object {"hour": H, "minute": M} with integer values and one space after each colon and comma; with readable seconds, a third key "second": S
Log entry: {"hour": 1, "minute": 50}
